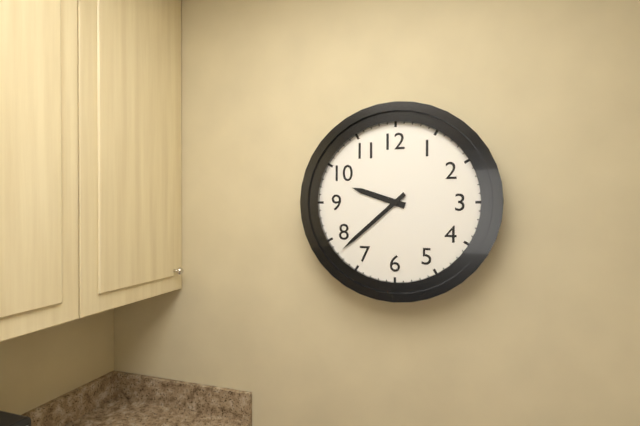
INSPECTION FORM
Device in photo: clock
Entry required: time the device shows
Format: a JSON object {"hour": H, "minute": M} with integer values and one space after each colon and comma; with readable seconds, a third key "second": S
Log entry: {"hour": 9, "minute": 38}
